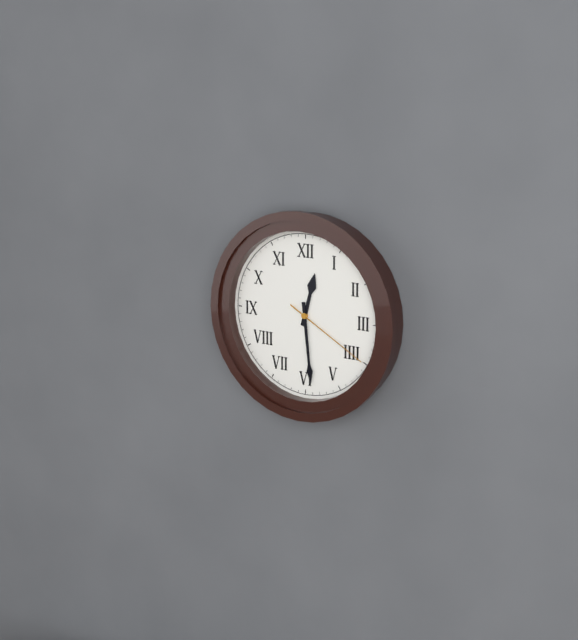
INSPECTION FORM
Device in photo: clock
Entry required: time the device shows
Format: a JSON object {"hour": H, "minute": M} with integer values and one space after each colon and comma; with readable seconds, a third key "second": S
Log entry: {"hour": 12, "minute": 29, "second": 20}
